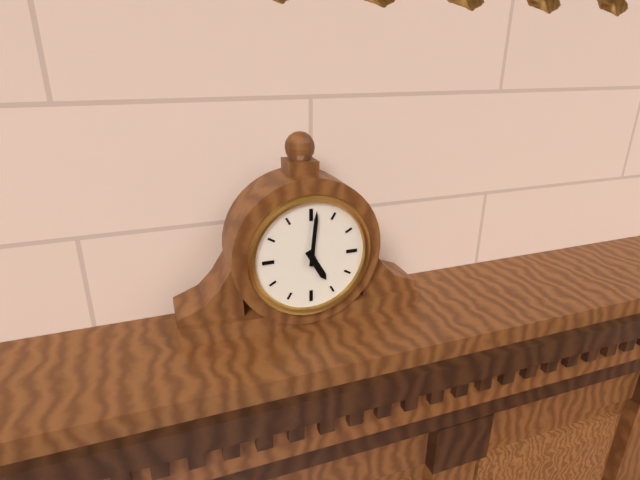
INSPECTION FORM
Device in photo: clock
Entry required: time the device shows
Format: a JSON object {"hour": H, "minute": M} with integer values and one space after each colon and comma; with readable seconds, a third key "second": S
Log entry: {"hour": 5, "minute": 1}
